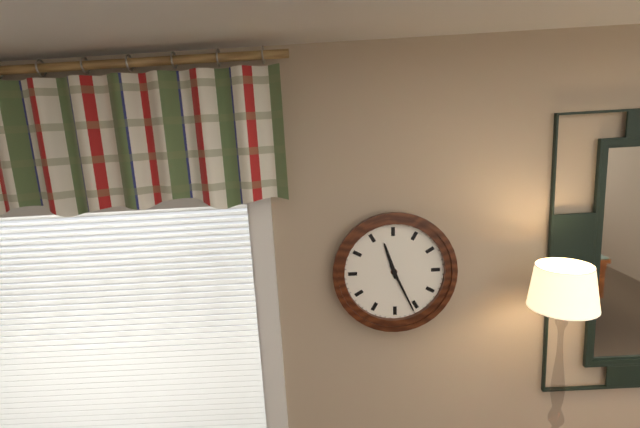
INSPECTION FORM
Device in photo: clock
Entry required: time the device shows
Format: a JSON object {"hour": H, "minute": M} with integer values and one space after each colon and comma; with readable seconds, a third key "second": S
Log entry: {"hour": 11, "minute": 26}
